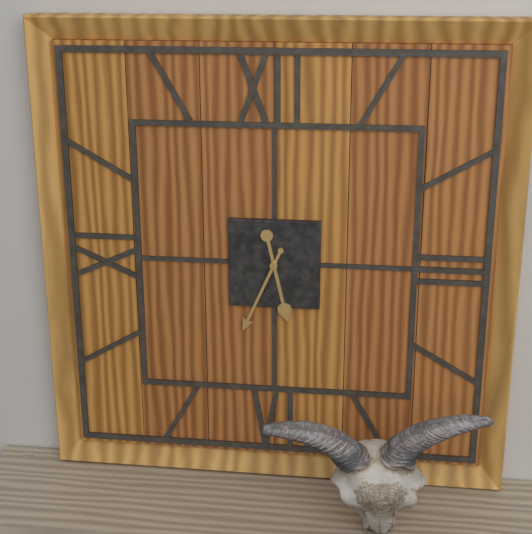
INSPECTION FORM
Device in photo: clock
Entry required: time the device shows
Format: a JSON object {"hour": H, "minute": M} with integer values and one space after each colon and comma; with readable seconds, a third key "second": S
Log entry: {"hour": 5, "minute": 34}
